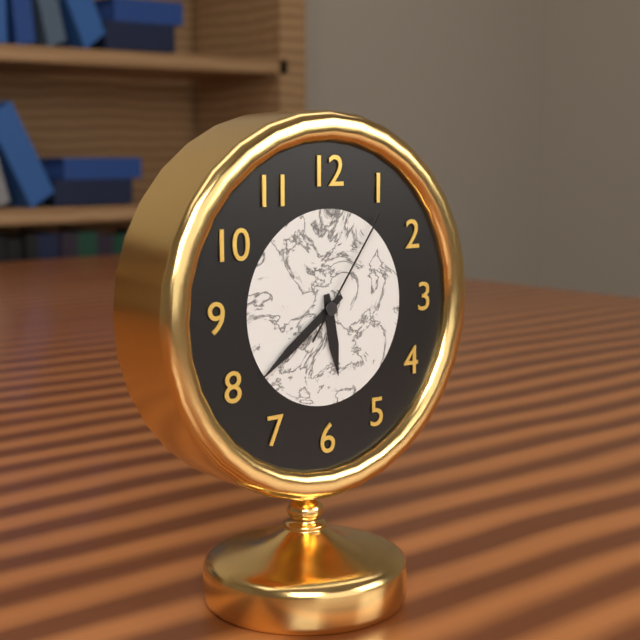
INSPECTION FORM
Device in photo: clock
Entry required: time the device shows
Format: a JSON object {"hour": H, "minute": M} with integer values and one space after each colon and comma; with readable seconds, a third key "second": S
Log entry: {"hour": 5, "minute": 39, "second": 6}
